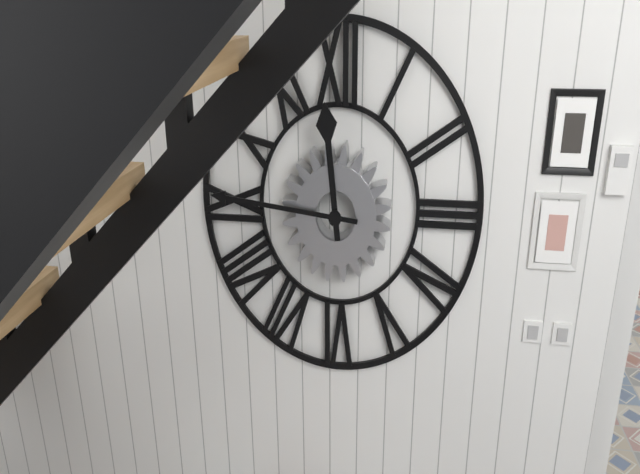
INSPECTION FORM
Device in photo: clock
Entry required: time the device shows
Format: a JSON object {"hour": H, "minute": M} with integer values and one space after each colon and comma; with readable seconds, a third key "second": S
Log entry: {"hour": 11, "minute": 46}
